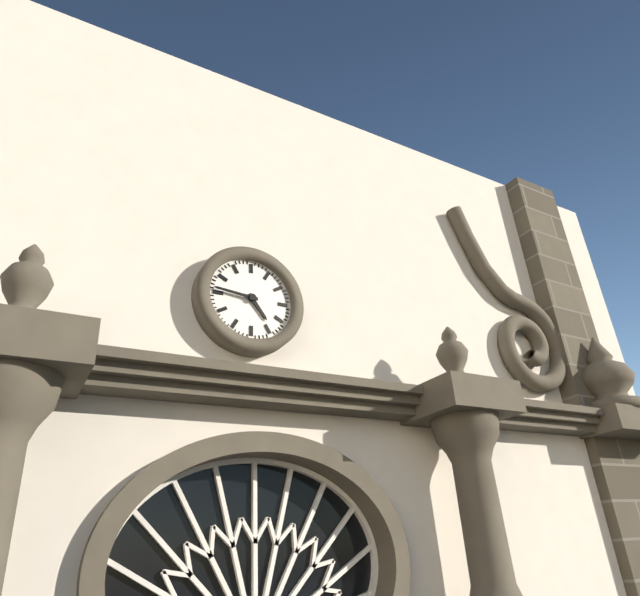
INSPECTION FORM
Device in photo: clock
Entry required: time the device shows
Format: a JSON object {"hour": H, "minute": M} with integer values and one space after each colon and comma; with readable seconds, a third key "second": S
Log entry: {"hour": 4, "minute": 46}
